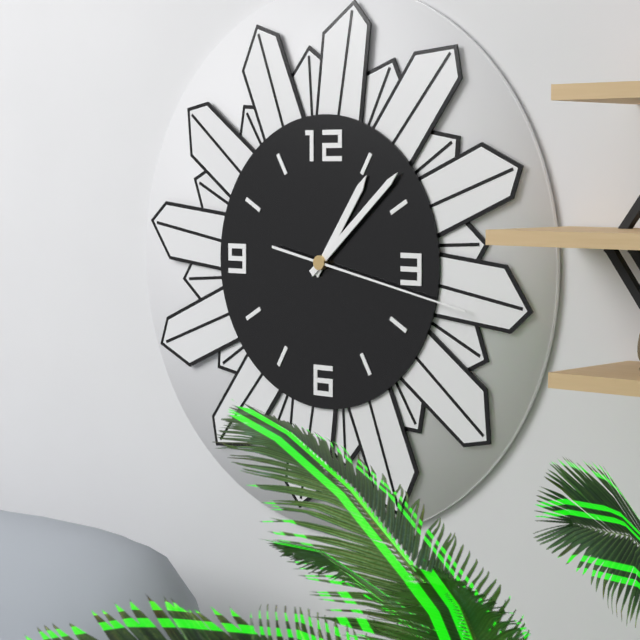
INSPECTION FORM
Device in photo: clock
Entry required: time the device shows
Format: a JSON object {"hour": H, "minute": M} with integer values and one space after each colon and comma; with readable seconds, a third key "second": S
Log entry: {"hour": 1, "minute": 8, "second": 17}
